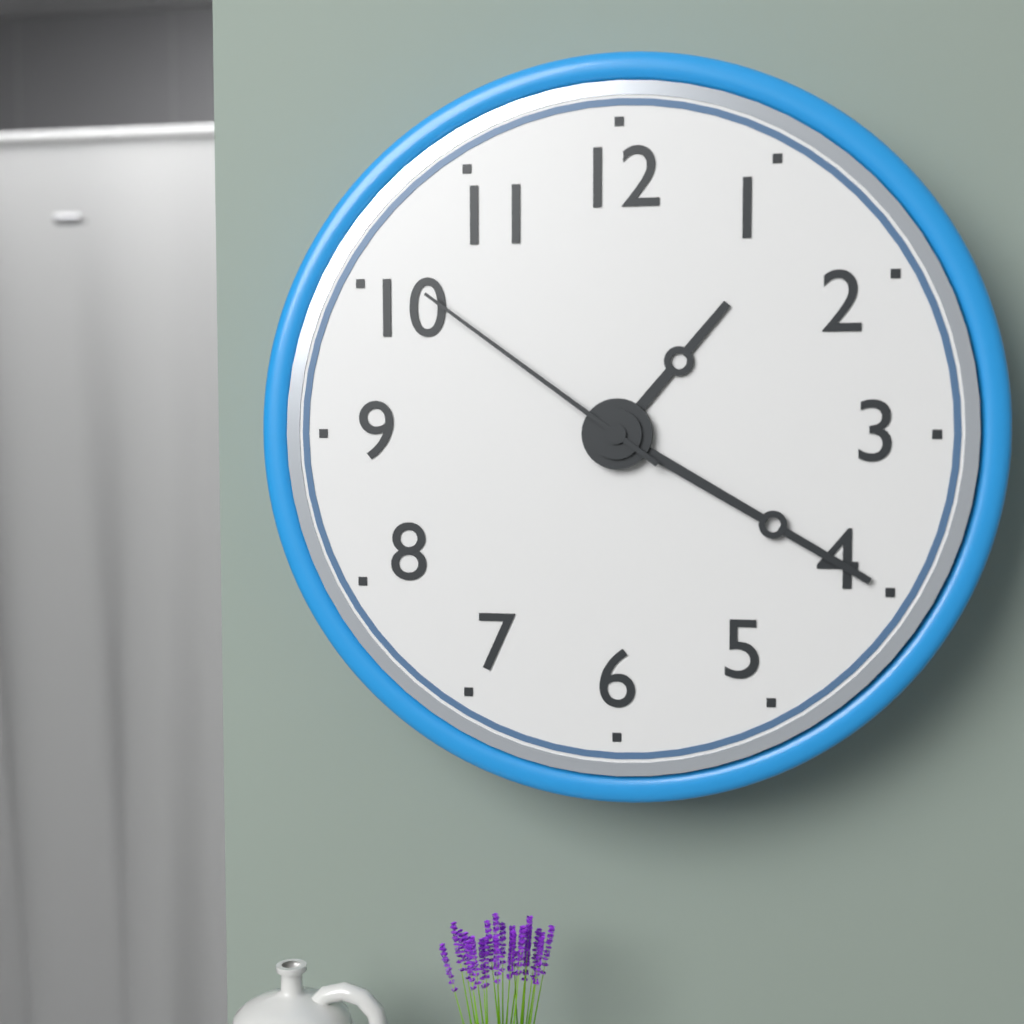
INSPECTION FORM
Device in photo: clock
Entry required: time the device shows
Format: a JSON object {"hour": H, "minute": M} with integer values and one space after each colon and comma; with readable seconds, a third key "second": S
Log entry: {"hour": 1, "minute": 20, "second": 51}
